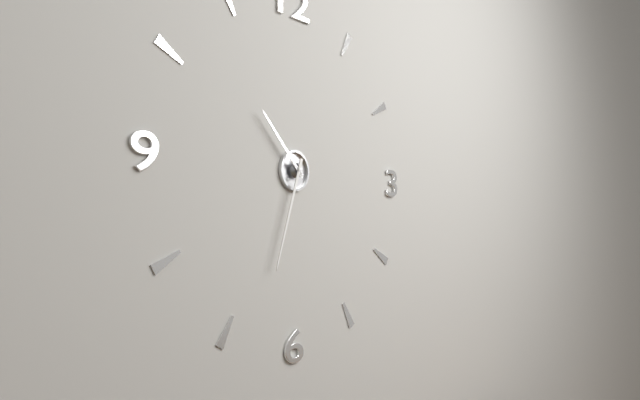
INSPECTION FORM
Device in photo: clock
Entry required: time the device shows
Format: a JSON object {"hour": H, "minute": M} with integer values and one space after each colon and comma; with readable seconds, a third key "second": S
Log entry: {"hour": 10, "minute": 33}
